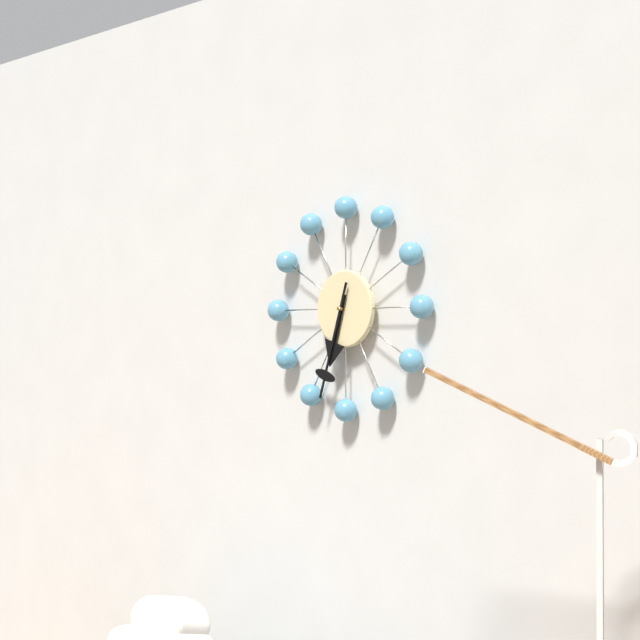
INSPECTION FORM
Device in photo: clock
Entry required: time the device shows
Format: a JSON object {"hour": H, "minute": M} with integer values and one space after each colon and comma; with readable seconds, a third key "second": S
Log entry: {"hour": 6, "minute": 33}
